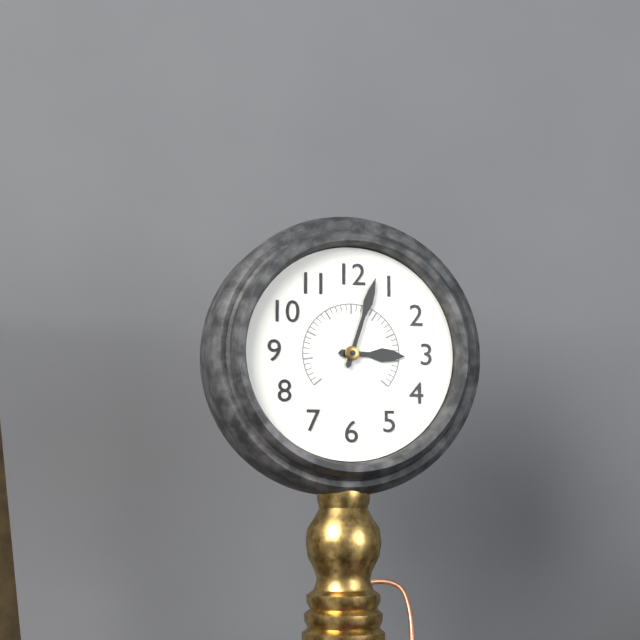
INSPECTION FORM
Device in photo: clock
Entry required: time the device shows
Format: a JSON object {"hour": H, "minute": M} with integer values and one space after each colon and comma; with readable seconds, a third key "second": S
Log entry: {"hour": 3, "minute": 3}
